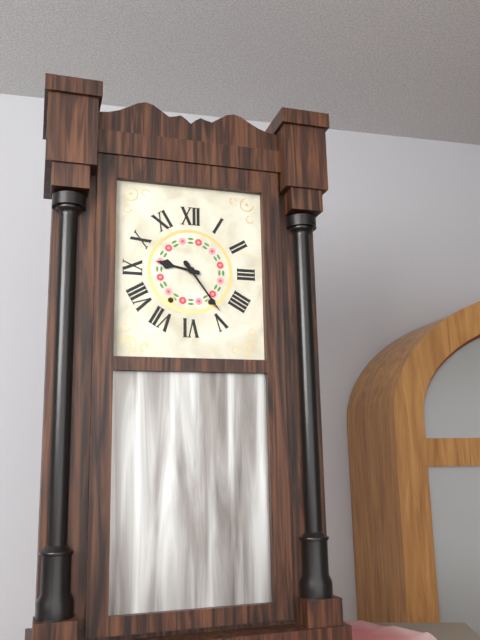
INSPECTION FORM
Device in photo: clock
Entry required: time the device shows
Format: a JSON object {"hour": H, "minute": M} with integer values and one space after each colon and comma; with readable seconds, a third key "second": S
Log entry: {"hour": 9, "minute": 24}
